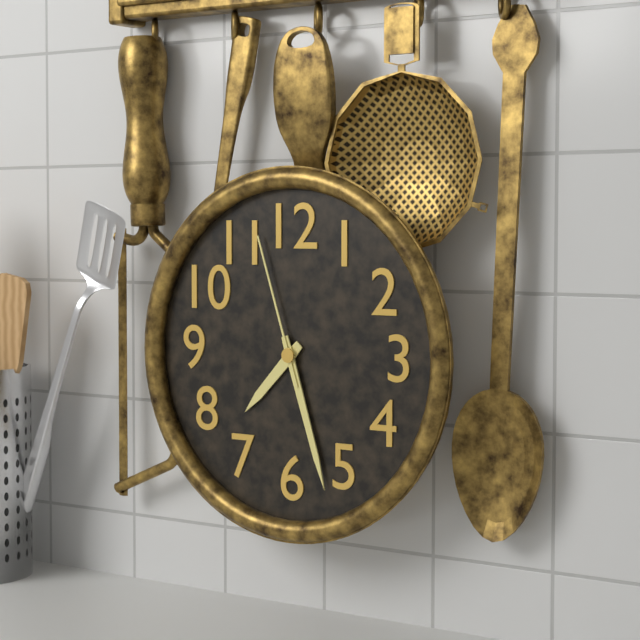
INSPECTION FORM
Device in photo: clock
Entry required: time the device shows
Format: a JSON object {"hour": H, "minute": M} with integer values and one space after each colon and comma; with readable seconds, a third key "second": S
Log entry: {"hour": 7, "minute": 27, "second": 57}
